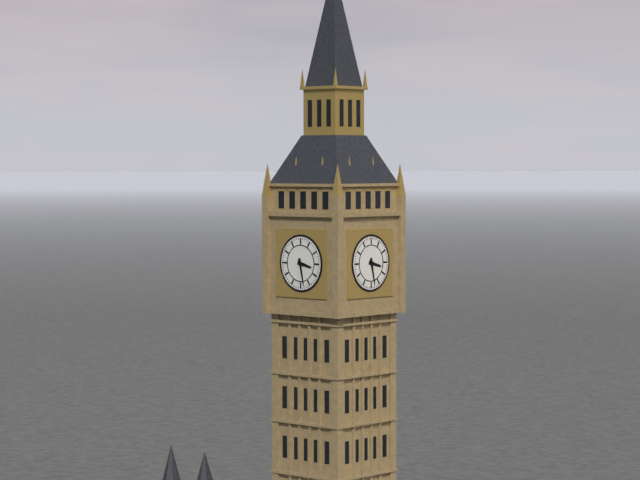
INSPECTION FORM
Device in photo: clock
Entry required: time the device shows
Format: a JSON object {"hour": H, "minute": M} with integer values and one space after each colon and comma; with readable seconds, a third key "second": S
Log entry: {"hour": 3, "minute": 28}
